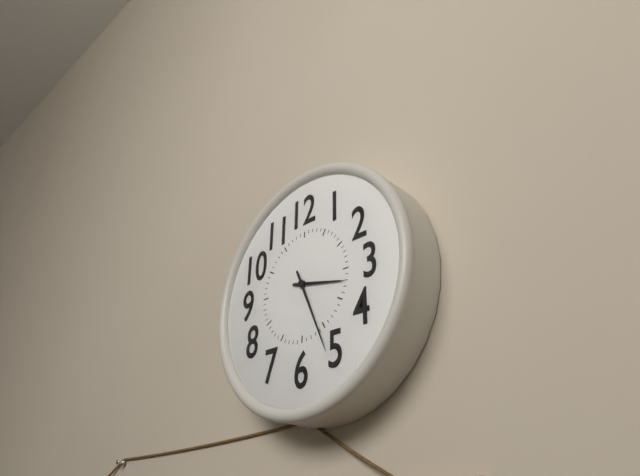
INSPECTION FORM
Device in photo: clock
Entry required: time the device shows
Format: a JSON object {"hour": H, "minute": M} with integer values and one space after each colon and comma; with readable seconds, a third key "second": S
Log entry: {"hour": 3, "minute": 26}
